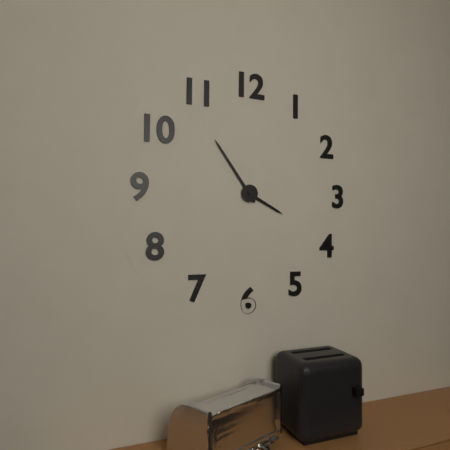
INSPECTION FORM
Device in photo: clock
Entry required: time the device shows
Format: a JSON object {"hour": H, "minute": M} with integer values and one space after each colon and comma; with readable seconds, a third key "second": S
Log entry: {"hour": 3, "minute": 54}
